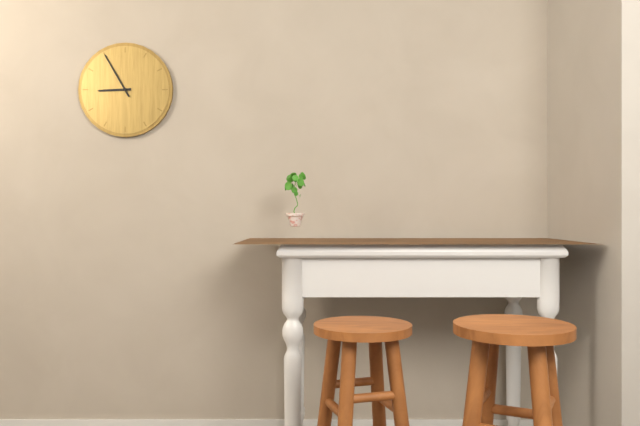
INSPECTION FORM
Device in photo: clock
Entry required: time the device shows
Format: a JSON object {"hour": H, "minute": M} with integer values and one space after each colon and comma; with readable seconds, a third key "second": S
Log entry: {"hour": 8, "minute": 55}
